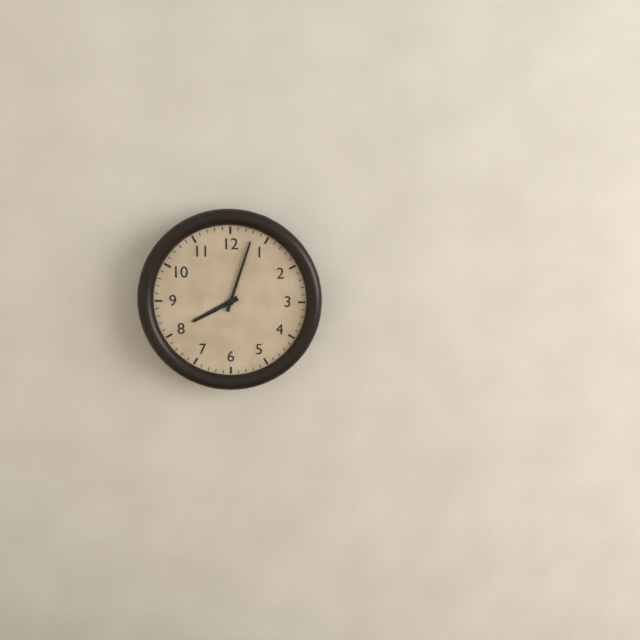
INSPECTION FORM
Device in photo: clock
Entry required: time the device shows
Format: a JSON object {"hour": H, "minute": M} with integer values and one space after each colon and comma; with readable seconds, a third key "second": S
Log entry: {"hour": 8, "minute": 3}
